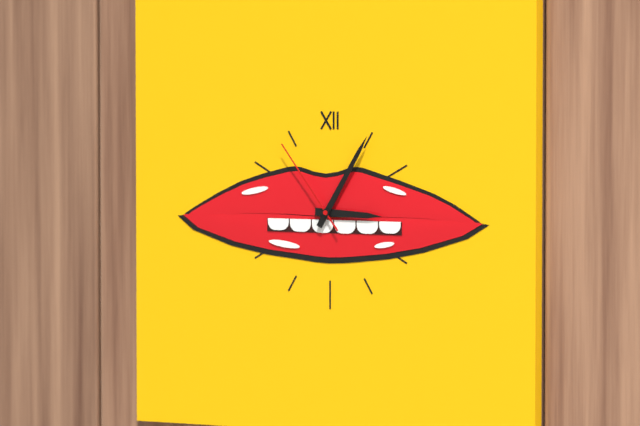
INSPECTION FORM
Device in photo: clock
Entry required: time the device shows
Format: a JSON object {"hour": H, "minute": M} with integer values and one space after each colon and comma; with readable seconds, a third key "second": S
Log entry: {"hour": 3, "minute": 5, "second": 54}
